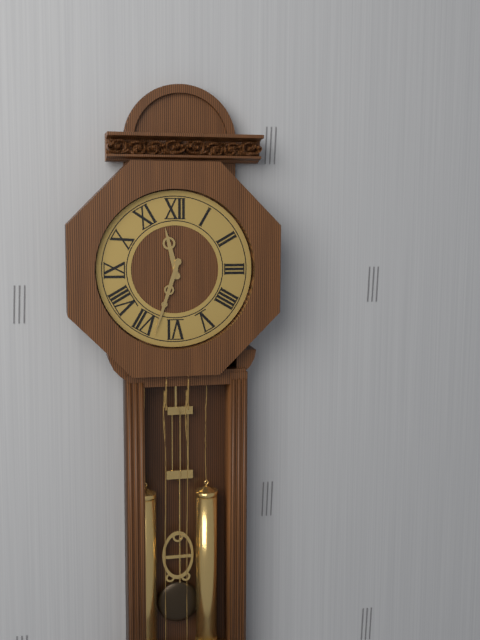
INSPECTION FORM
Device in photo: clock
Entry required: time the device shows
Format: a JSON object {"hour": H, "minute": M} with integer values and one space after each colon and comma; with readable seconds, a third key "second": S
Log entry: {"hour": 11, "minute": 33}
